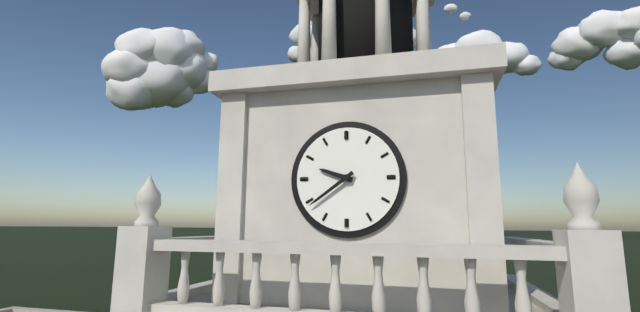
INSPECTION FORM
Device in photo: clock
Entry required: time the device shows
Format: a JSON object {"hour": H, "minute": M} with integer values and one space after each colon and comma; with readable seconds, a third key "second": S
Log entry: {"hour": 9, "minute": 39}
